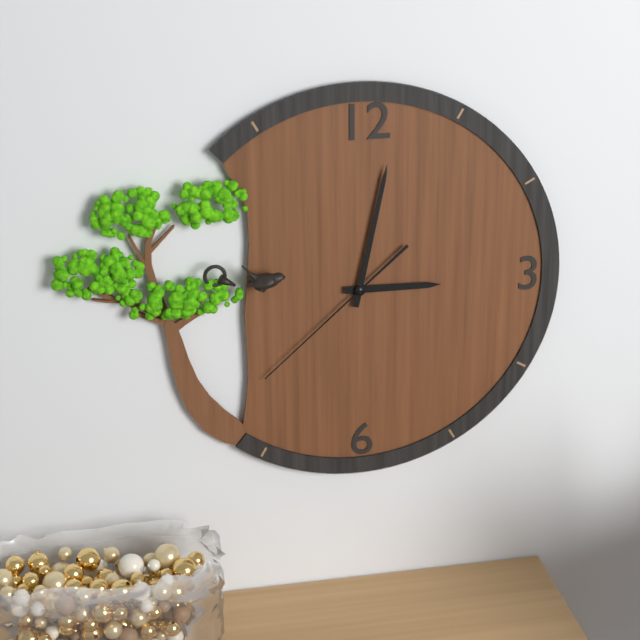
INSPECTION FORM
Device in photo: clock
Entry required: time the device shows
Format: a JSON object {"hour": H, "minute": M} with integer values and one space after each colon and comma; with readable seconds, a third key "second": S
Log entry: {"hour": 3, "minute": 2, "second": 38}
